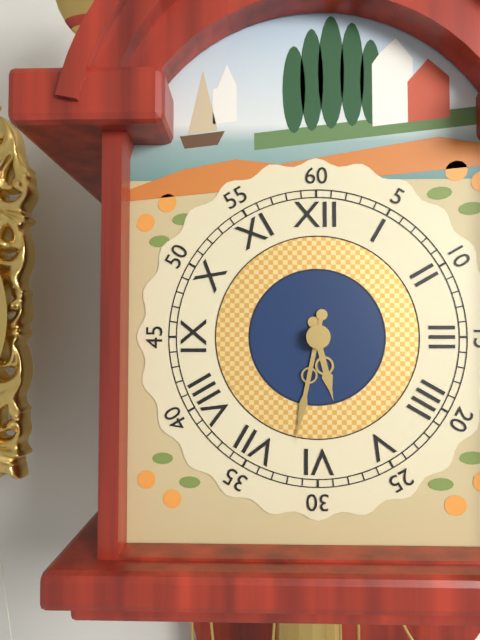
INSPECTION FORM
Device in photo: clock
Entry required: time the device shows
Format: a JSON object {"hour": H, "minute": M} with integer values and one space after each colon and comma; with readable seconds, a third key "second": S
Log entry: {"hour": 5, "minute": 32}
